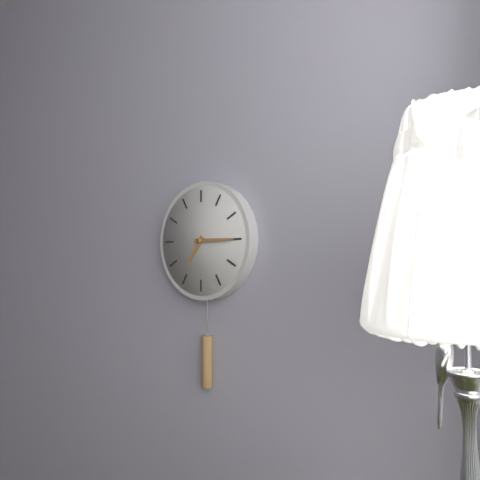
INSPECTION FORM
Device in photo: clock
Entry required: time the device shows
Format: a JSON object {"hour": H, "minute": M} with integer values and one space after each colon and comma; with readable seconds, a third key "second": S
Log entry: {"hour": 7, "minute": 15}
